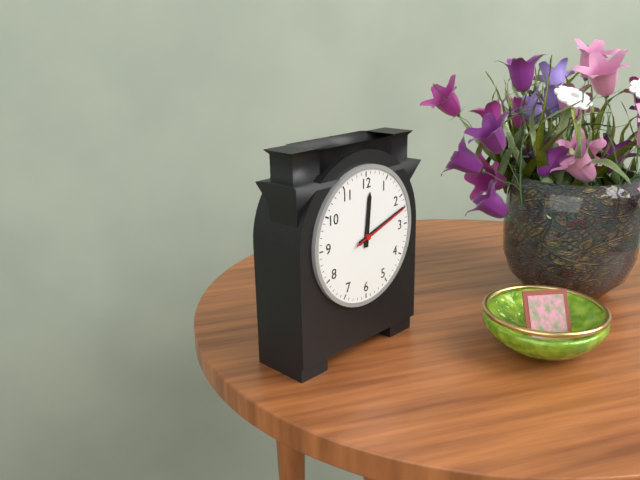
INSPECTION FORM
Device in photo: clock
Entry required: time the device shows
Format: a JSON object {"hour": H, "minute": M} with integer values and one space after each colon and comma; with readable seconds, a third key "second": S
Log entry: {"hour": 12, "minute": 12, "second": 12}
